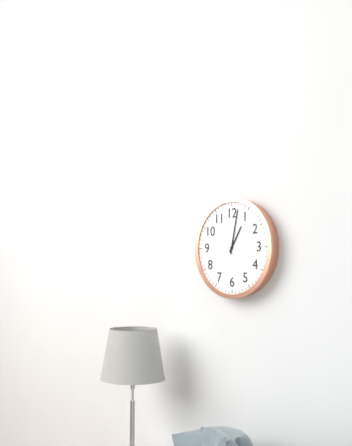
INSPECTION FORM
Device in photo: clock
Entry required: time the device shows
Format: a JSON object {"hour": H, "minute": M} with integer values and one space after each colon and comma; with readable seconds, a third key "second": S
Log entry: {"hour": 1, "minute": 2}
